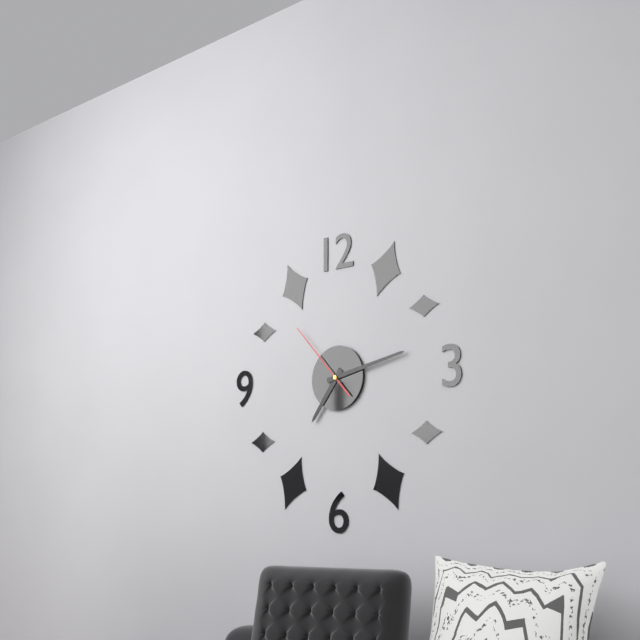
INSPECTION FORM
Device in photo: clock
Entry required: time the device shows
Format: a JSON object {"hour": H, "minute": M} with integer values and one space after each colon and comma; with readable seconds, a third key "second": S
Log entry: {"hour": 7, "minute": 13, "second": 53}
